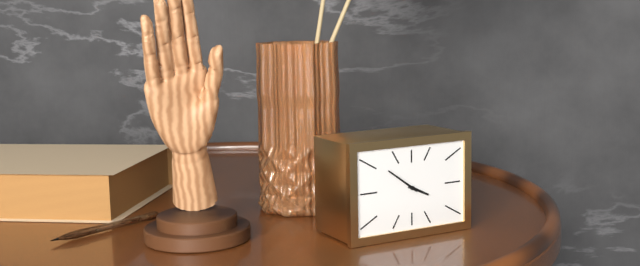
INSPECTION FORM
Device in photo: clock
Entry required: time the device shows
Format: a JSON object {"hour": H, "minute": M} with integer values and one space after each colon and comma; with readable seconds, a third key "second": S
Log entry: {"hour": 3, "minute": 51}
